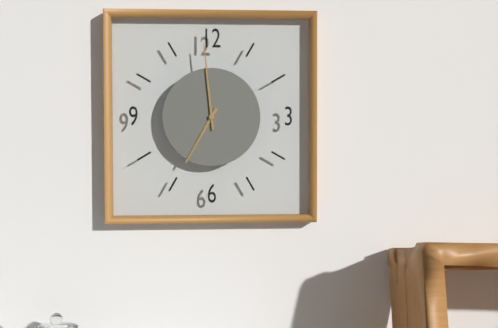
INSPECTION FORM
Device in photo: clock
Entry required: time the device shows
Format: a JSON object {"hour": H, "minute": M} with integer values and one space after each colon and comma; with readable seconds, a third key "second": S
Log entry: {"hour": 6, "minute": 59}
